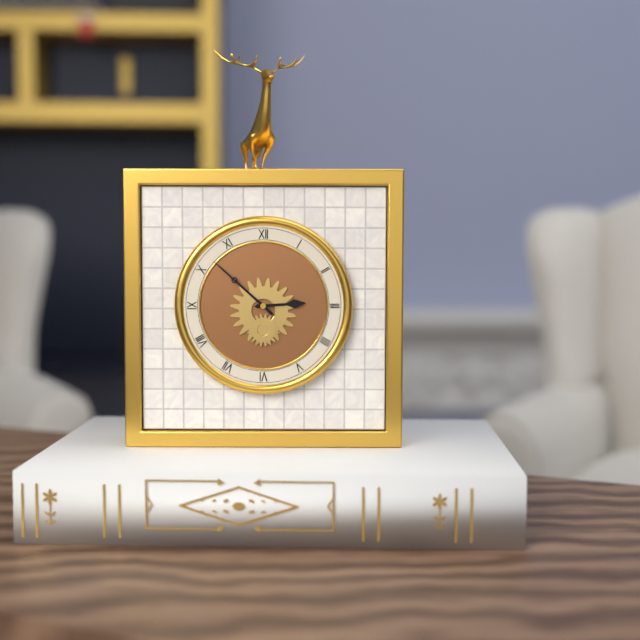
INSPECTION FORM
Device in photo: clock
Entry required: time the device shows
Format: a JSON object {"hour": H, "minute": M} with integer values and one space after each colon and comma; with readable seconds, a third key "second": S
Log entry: {"hour": 2, "minute": 52}
